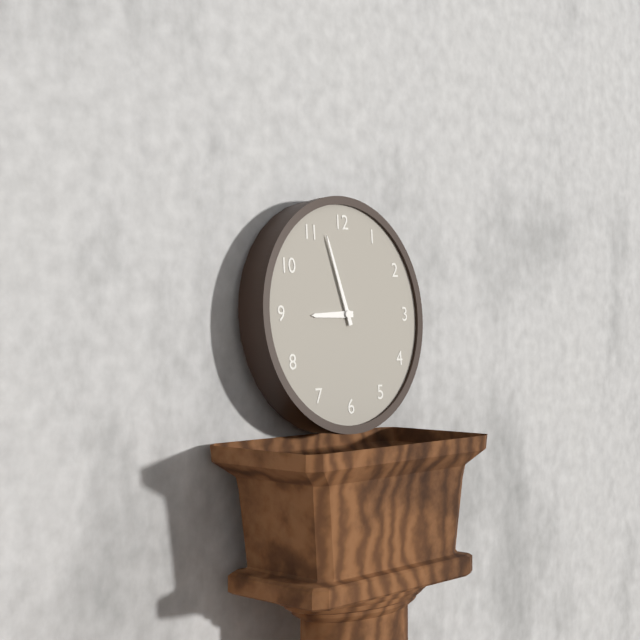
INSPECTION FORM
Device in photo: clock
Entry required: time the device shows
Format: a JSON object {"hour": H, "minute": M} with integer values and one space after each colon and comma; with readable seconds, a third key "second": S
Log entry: {"hour": 8, "minute": 57}
